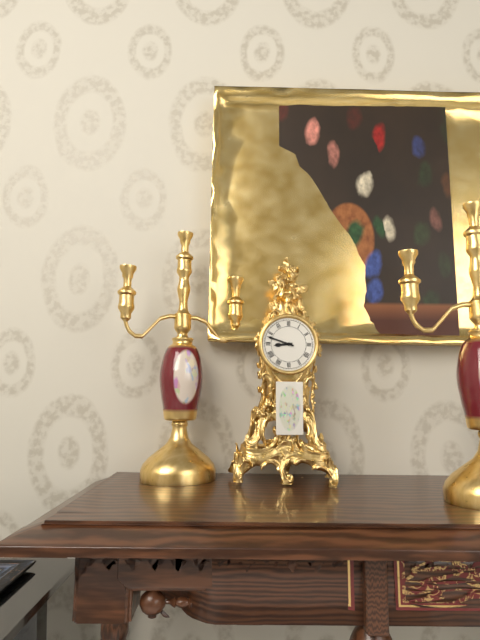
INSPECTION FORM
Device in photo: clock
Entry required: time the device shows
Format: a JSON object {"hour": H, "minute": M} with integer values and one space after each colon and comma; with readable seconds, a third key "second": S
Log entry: {"hour": 8, "minute": 48}
